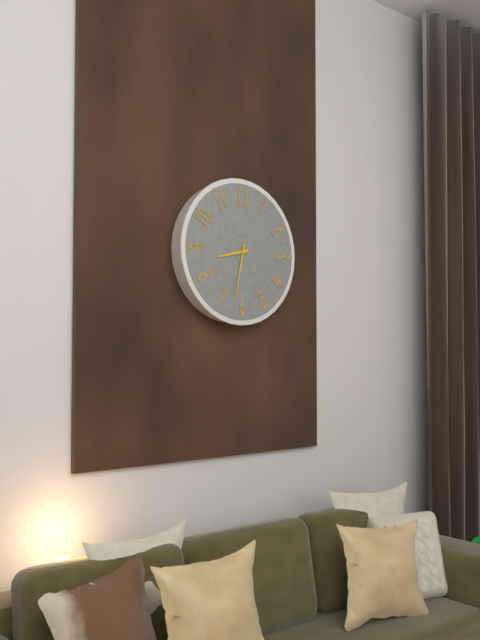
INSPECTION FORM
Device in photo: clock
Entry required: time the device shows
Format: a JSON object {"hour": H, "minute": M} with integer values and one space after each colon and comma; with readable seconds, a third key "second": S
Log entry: {"hour": 8, "minute": 32}
